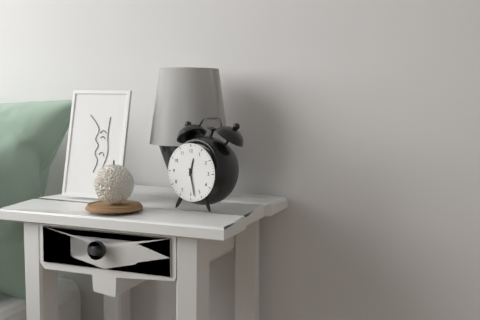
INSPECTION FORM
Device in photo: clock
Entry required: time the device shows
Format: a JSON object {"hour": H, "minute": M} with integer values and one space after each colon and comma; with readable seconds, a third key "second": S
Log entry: {"hour": 12, "minute": 28}
